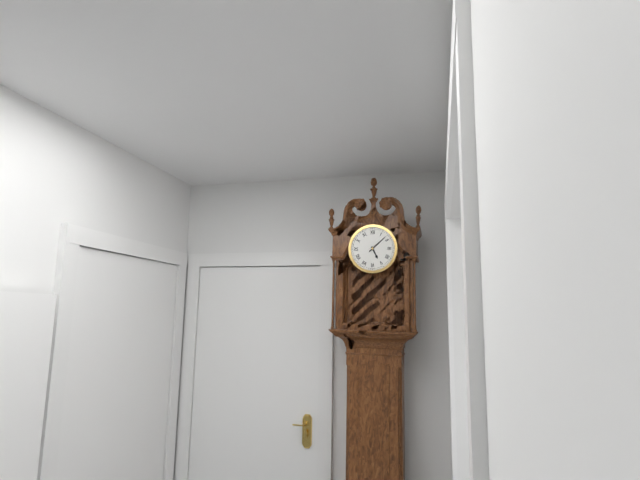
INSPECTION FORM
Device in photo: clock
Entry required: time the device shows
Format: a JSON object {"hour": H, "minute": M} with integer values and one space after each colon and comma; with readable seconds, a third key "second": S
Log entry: {"hour": 5, "minute": 8}
